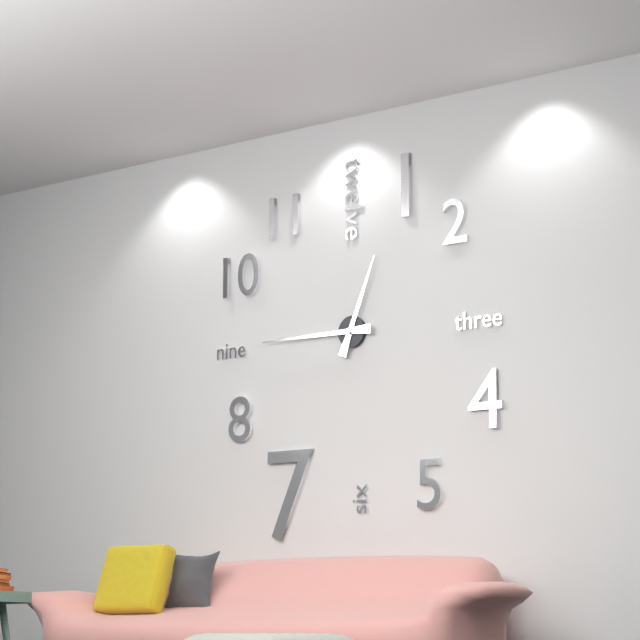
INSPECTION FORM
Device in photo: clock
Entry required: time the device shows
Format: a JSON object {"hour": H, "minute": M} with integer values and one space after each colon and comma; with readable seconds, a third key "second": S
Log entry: {"hour": 12, "minute": 45}
